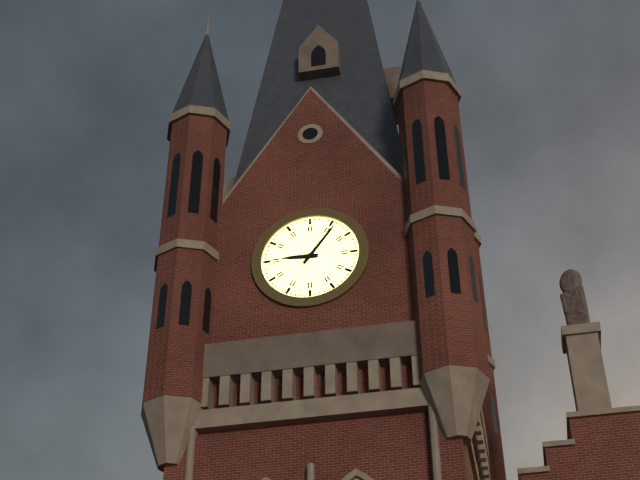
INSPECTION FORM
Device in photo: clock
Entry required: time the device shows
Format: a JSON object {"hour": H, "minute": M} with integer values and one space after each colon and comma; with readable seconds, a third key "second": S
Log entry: {"hour": 9, "minute": 6}
